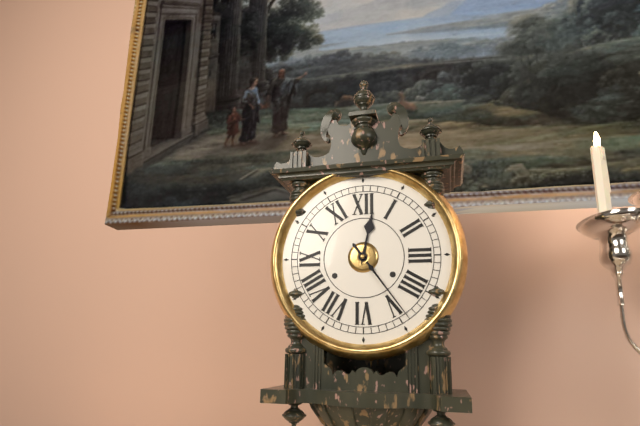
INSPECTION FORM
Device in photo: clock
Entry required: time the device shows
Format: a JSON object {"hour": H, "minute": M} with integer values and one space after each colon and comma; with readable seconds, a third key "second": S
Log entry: {"hour": 12, "minute": 24}
